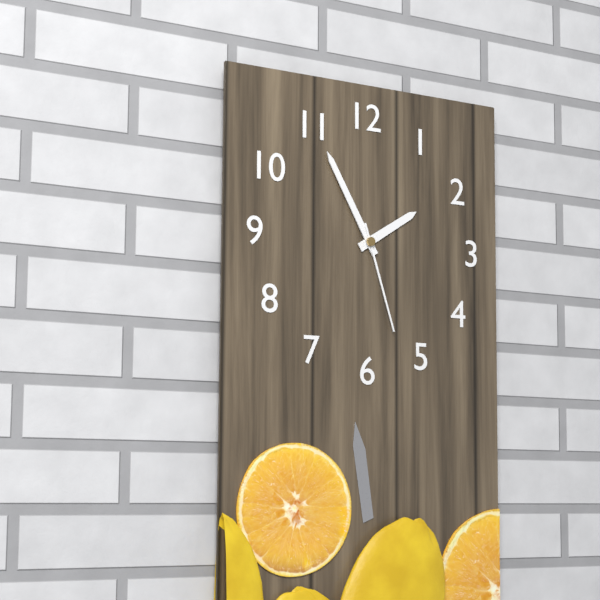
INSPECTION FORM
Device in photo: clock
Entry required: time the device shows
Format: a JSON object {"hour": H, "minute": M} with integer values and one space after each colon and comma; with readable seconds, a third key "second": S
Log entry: {"hour": 1, "minute": 55, "second": 27}
